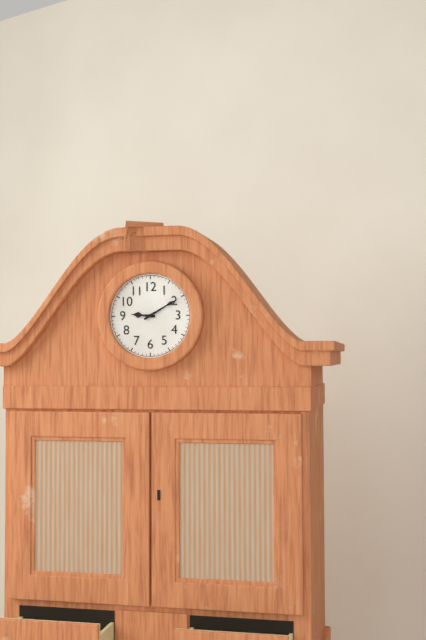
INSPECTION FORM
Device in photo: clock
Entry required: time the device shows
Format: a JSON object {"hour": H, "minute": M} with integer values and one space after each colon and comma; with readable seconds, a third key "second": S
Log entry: {"hour": 9, "minute": 10}
